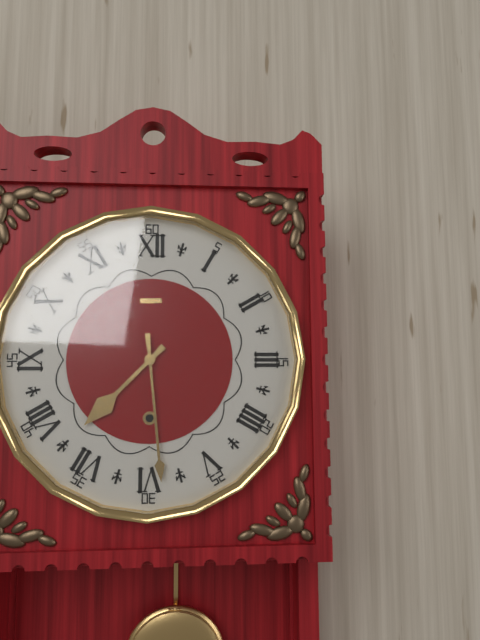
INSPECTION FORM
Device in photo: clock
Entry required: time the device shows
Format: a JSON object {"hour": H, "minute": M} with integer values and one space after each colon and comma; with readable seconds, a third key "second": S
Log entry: {"hour": 7, "minute": 29}
